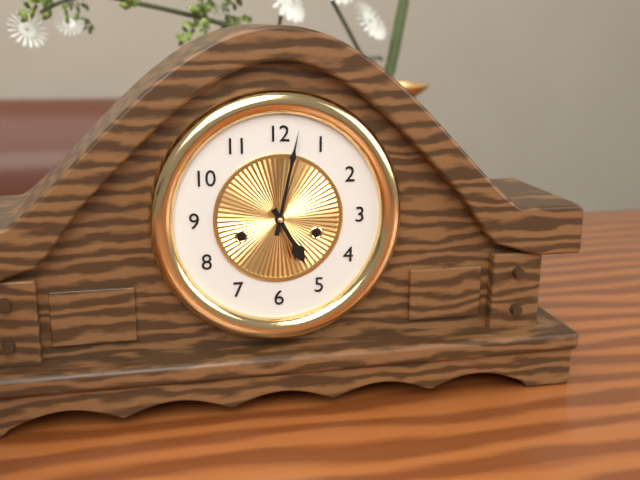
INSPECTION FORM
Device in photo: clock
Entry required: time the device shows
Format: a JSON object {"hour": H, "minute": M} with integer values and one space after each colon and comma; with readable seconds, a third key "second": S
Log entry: {"hour": 5, "minute": 2}
